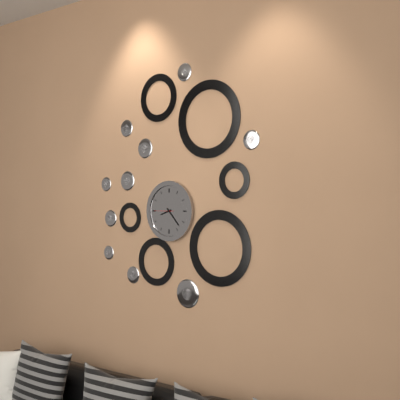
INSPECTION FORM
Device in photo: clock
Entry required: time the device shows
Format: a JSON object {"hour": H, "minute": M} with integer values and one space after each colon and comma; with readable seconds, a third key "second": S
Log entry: {"hour": 8, "minute": 23}
